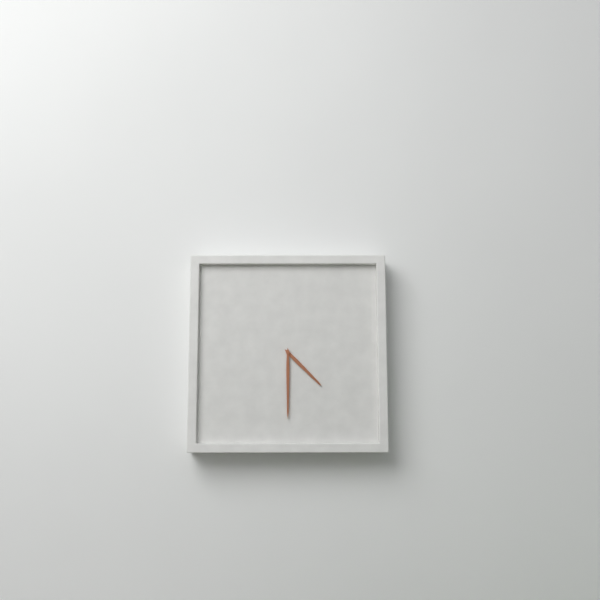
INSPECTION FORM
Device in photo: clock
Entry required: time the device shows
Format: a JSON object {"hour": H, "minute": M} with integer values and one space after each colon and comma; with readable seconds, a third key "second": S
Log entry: {"hour": 4, "minute": 30}
